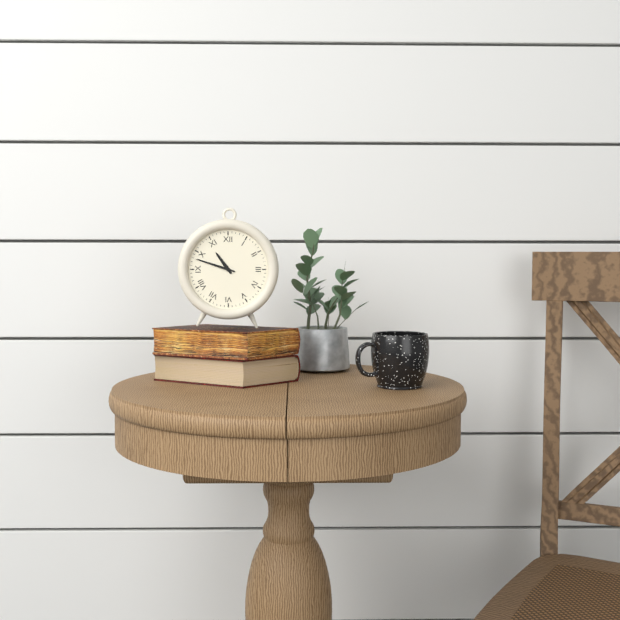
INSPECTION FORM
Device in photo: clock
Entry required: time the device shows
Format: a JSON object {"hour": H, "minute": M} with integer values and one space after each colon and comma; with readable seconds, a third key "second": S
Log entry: {"hour": 10, "minute": 48}
